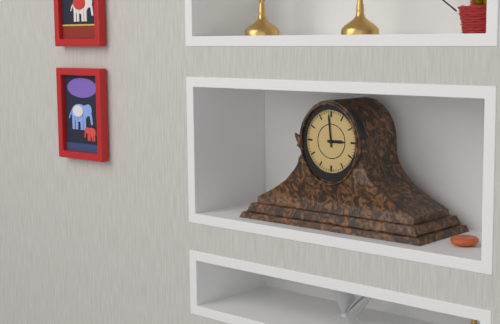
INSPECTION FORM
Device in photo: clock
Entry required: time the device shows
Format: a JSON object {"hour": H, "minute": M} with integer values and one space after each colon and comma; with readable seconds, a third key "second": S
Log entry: {"hour": 2, "minute": 59}
